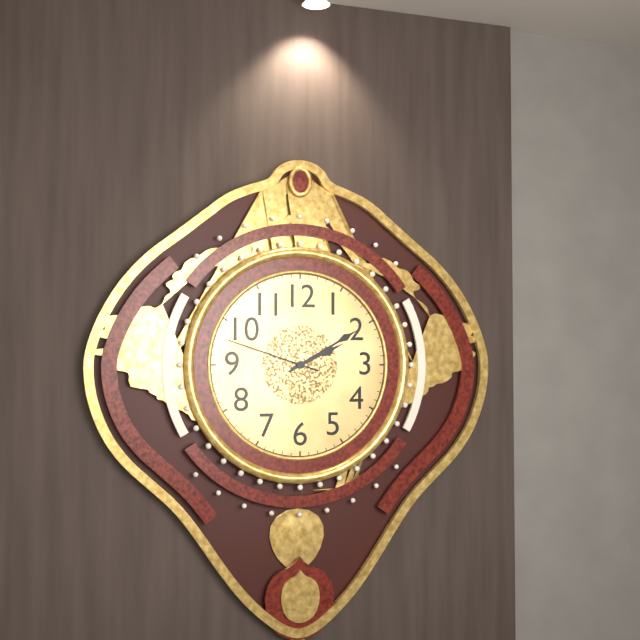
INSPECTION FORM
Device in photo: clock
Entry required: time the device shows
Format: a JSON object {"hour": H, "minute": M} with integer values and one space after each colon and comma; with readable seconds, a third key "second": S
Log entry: {"hour": 2, "minute": 10, "second": 48}
